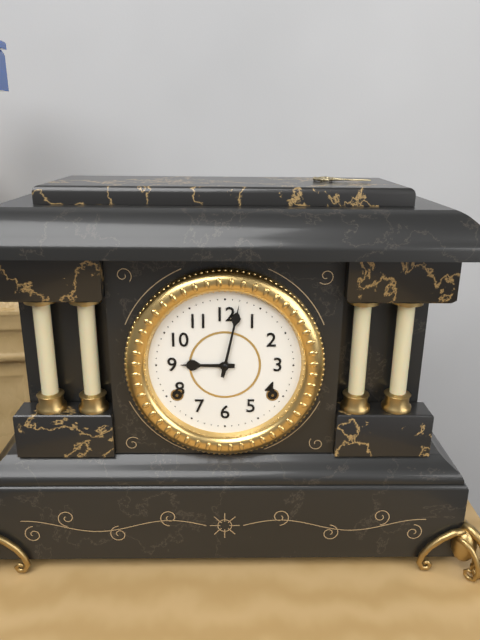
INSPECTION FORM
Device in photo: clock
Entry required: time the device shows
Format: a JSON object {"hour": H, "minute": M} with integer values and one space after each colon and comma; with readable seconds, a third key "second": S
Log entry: {"hour": 9, "minute": 2}
